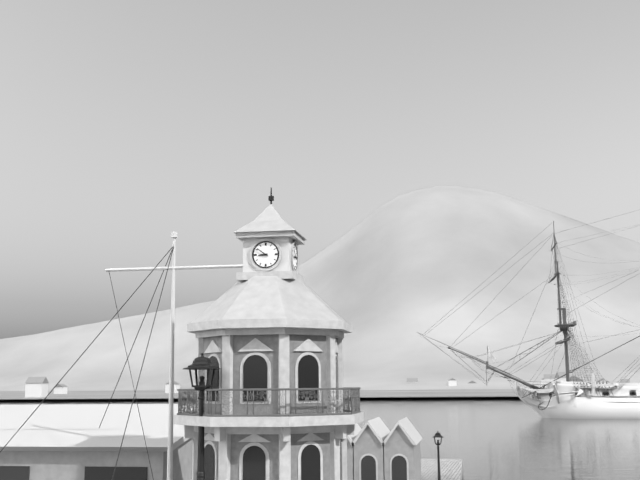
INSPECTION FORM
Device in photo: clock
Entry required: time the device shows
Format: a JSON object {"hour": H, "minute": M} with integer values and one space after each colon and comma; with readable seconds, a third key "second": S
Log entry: {"hour": 8, "minute": 51}
